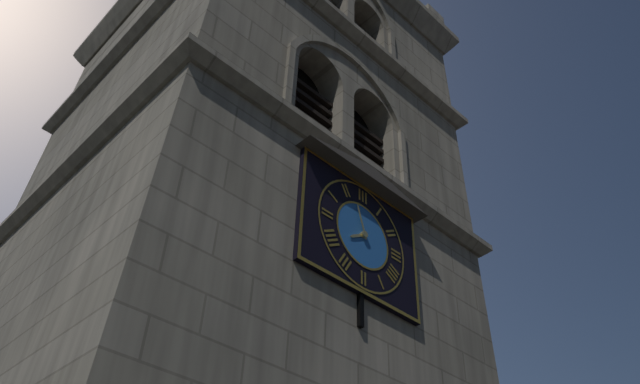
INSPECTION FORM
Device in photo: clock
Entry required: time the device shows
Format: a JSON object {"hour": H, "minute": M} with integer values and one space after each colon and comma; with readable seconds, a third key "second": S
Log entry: {"hour": 7, "minute": 57}
